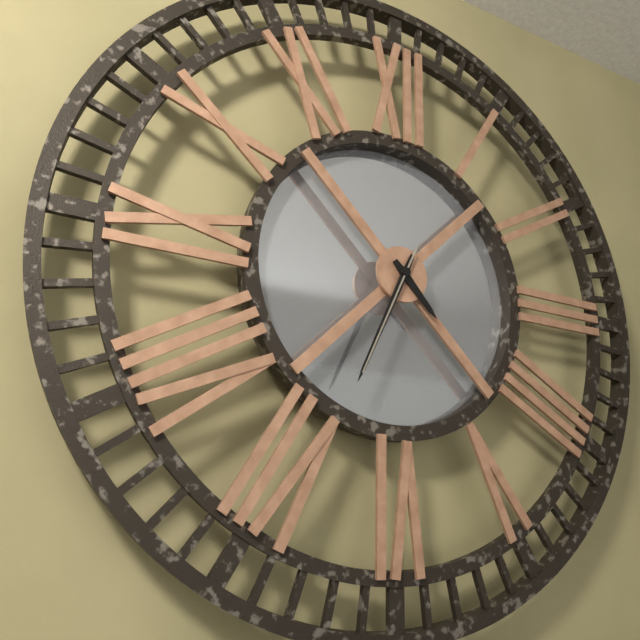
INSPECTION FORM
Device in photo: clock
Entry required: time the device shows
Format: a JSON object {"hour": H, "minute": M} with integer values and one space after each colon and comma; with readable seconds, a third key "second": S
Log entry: {"hour": 4, "minute": 34, "second": 34}
